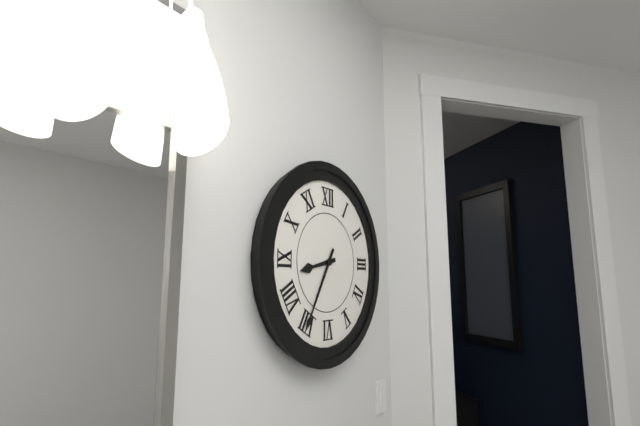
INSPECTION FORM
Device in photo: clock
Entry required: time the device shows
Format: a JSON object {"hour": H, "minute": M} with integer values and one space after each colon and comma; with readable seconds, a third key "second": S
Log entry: {"hour": 8, "minute": 35}
